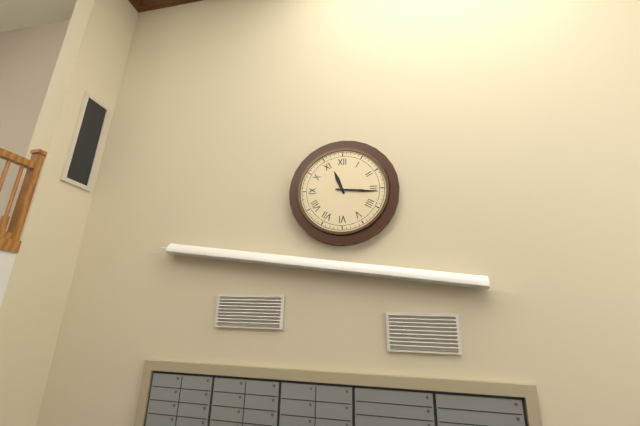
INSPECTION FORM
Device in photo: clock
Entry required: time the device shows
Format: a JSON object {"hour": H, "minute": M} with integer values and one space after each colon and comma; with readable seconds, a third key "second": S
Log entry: {"hour": 11, "minute": 16}
